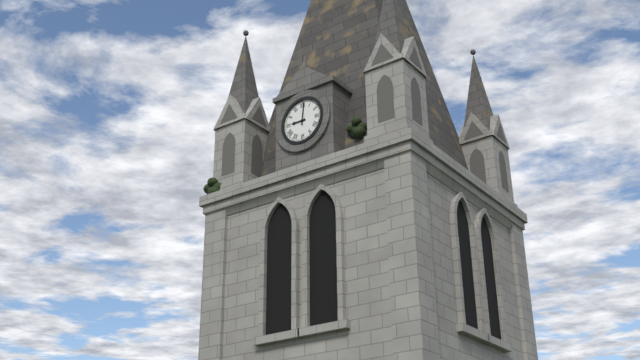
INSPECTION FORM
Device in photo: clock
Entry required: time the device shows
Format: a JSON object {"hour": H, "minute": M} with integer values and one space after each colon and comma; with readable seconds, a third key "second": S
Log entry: {"hour": 9, "minute": 1}
